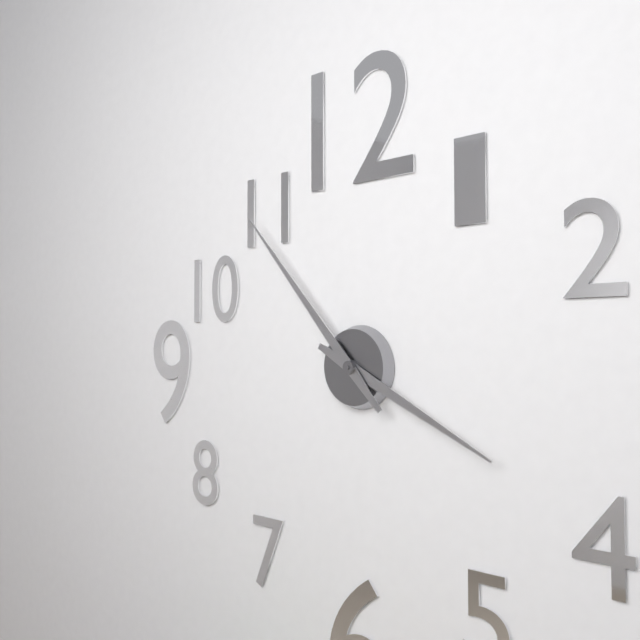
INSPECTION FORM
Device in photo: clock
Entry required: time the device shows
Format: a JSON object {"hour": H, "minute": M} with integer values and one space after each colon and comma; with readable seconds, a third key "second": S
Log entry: {"hour": 3, "minute": 53}
